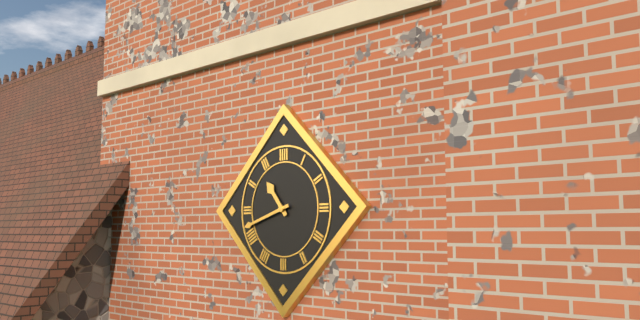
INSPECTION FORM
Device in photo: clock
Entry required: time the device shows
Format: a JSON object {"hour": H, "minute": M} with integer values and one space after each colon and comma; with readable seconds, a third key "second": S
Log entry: {"hour": 10, "minute": 42}
